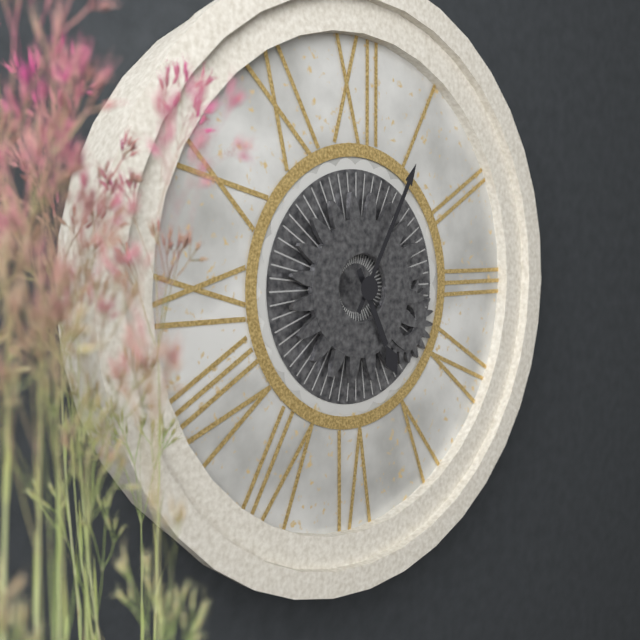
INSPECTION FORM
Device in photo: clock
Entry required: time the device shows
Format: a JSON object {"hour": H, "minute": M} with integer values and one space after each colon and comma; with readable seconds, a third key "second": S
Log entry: {"hour": 5, "minute": 5}
